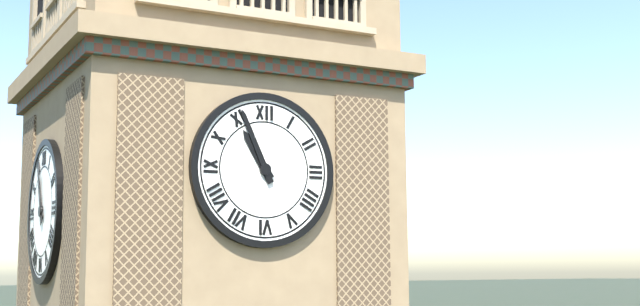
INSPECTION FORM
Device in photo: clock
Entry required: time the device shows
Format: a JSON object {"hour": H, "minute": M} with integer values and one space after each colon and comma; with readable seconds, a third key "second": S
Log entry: {"hour": 10, "minute": 56}
